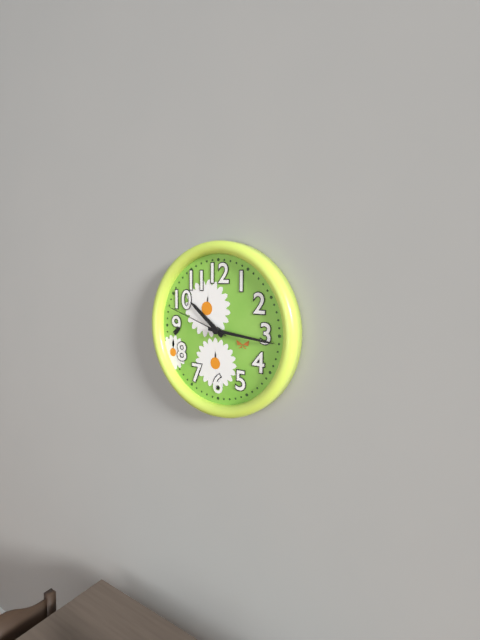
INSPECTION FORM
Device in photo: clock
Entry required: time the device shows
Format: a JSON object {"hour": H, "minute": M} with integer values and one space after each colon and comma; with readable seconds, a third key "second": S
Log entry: {"hour": 10, "minute": 16, "second": 48}
